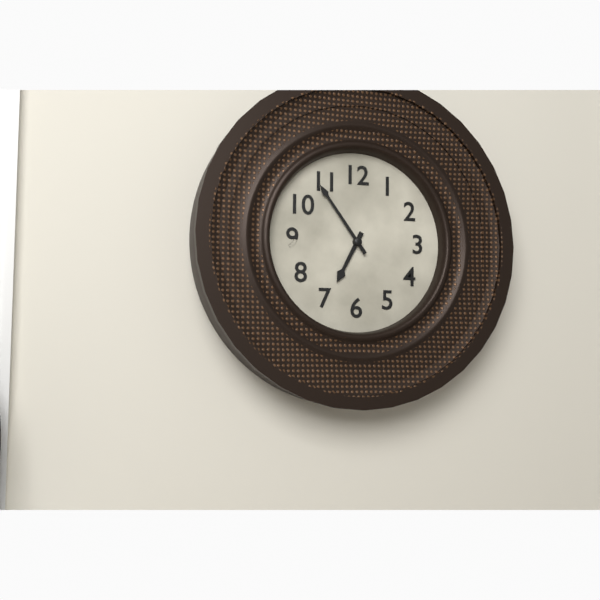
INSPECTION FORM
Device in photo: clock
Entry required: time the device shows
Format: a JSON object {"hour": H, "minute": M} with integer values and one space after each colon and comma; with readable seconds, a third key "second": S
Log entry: {"hour": 6, "minute": 54}
